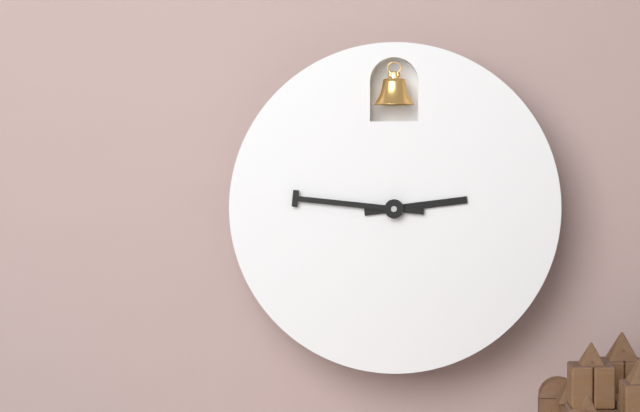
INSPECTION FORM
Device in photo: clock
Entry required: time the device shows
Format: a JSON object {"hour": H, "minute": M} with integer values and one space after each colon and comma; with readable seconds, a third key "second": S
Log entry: {"hour": 2, "minute": 46}
